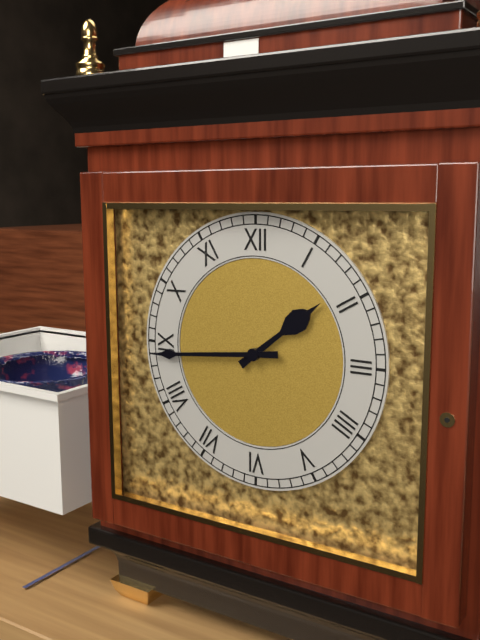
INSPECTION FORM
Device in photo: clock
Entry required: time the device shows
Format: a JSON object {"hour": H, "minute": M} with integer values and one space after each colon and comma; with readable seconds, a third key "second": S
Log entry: {"hour": 1, "minute": 44}
